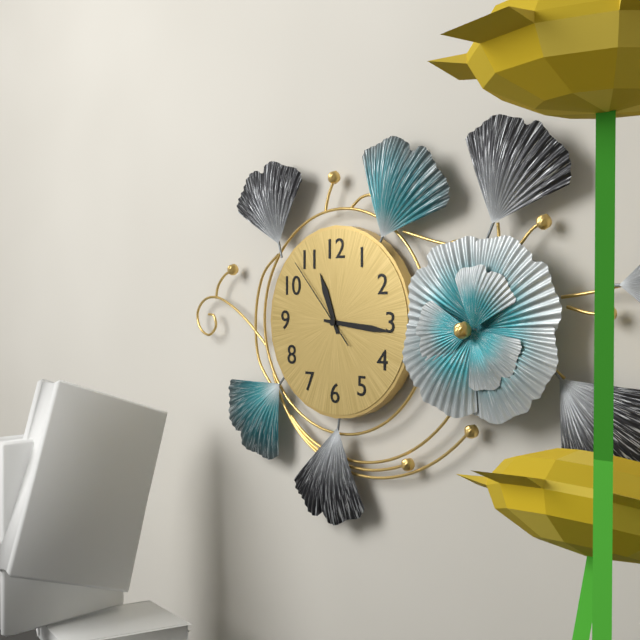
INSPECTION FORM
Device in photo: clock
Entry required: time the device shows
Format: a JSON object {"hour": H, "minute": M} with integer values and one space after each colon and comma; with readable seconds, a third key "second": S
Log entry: {"hour": 11, "minute": 16, "second": 53}
